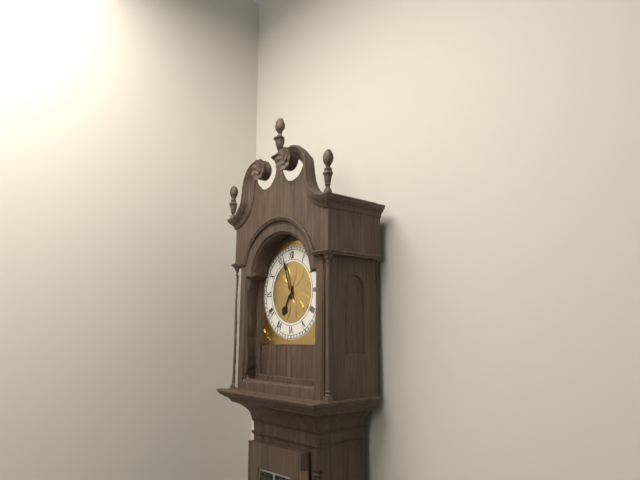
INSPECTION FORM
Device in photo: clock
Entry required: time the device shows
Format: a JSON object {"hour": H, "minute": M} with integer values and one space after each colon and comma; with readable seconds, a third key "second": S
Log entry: {"hour": 6, "minute": 57}
